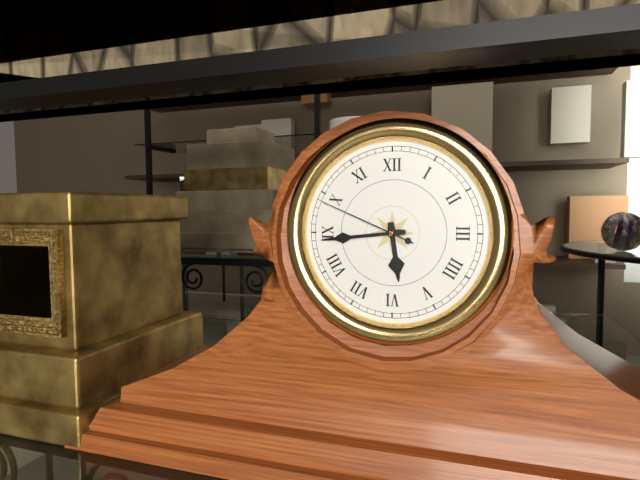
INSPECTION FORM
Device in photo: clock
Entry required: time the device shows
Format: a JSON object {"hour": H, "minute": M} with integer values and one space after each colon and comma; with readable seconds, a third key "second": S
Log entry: {"hour": 5, "minute": 44, "second": 49}
